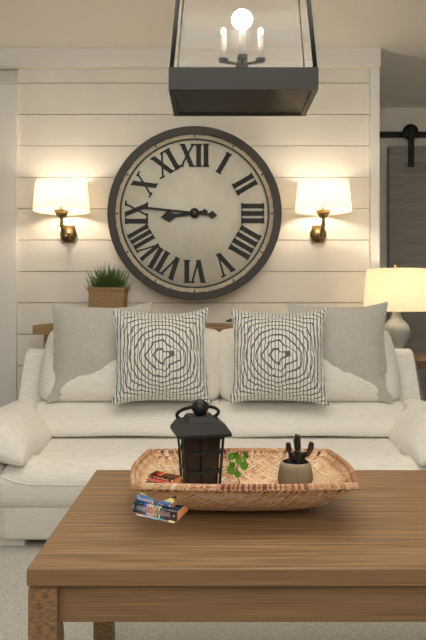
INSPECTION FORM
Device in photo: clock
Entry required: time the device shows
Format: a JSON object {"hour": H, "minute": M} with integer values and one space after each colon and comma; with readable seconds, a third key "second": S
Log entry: {"hour": 8, "minute": 46}
